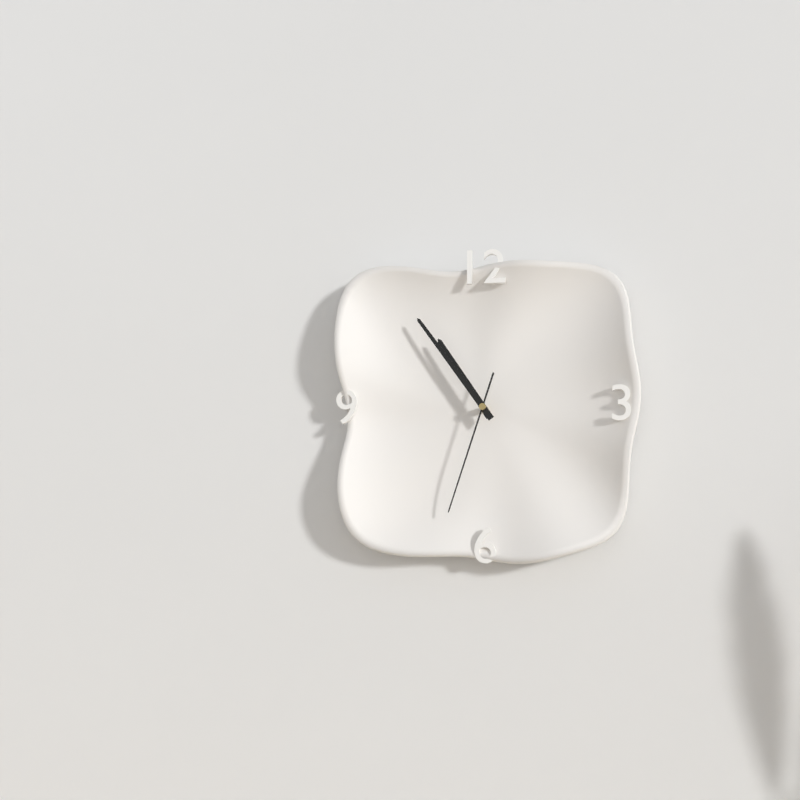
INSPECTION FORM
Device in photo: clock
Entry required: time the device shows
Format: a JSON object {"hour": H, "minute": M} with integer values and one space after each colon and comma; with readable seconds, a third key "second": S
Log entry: {"hour": 10, "minute": 54, "second": 33}
